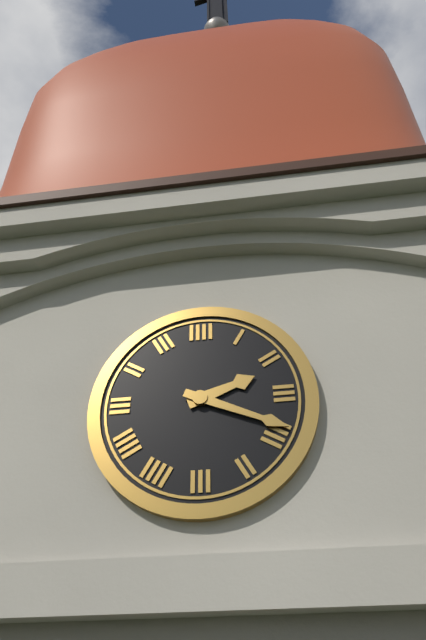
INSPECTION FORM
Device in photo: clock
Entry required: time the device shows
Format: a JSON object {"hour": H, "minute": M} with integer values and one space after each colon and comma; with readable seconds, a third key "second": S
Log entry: {"hour": 2, "minute": 19}
